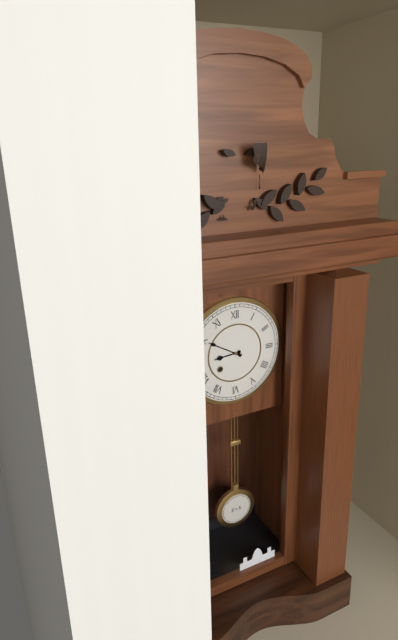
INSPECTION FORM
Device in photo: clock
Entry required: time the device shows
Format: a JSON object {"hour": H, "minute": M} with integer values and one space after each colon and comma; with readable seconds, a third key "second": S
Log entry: {"hour": 8, "minute": 50}
